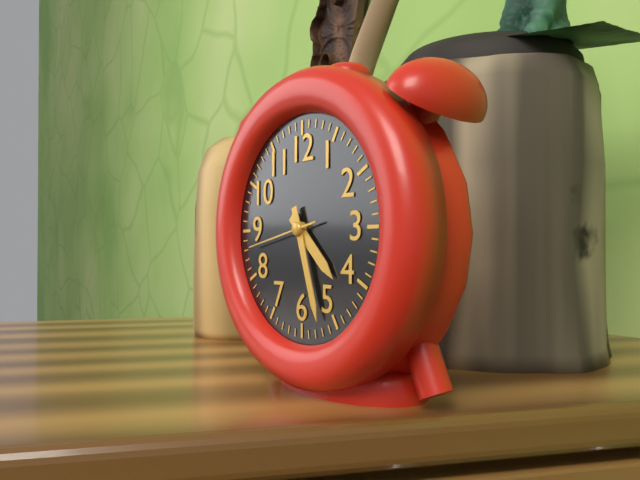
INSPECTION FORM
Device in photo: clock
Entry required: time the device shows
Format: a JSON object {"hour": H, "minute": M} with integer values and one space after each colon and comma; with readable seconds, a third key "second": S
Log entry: {"hour": 4, "minute": 27, "second": 43}
